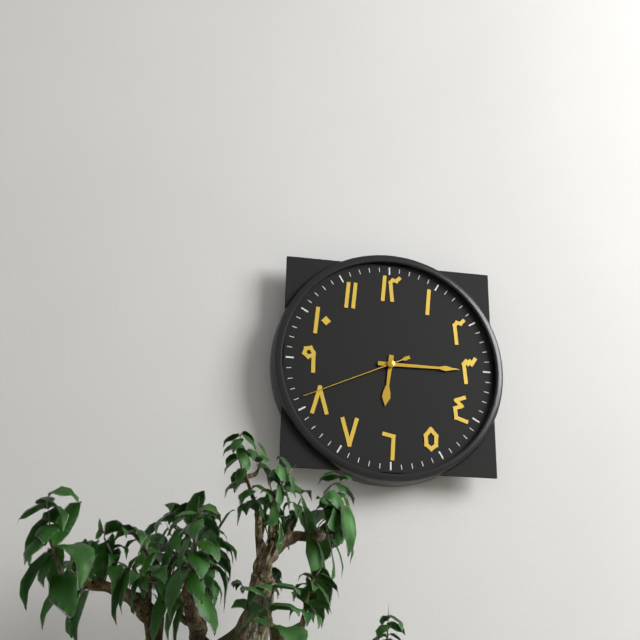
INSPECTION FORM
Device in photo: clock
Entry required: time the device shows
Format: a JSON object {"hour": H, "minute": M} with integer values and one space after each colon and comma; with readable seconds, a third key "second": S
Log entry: {"hour": 6, "minute": 15, "second": 41}
